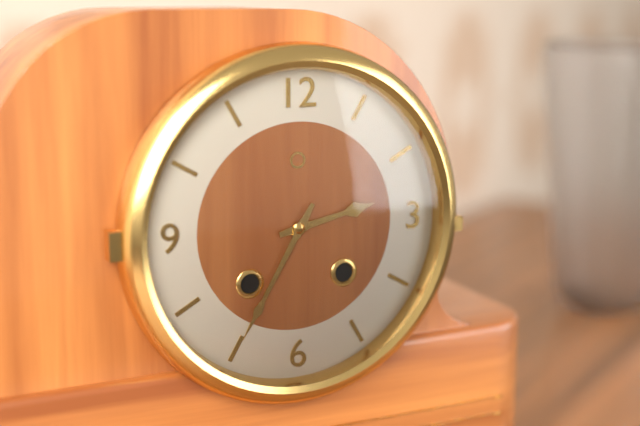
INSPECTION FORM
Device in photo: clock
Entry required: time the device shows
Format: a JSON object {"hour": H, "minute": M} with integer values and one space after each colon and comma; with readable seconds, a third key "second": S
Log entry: {"hour": 2, "minute": 35}
